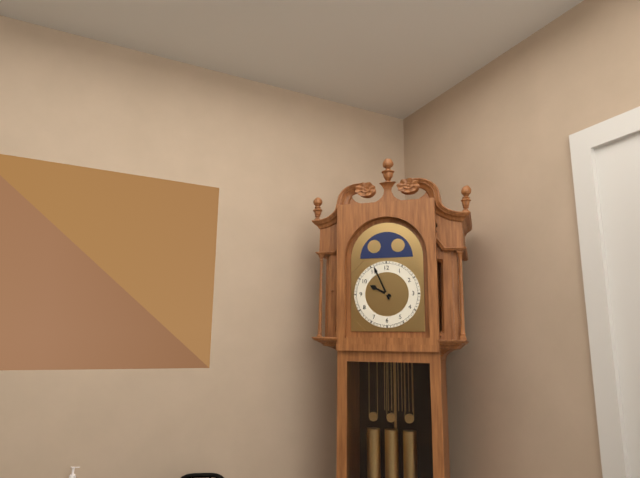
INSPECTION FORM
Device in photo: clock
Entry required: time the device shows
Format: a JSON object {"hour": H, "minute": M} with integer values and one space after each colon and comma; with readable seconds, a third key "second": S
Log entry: {"hour": 9, "minute": 56}
